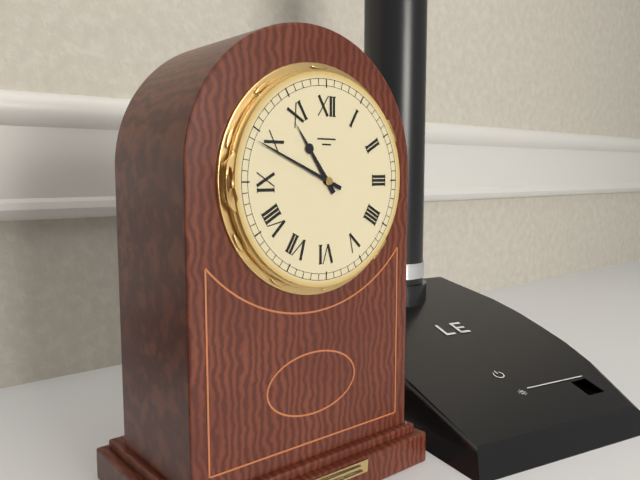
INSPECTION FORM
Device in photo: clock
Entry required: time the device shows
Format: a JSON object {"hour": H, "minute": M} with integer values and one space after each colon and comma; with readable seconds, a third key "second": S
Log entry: {"hour": 10, "minute": 49}
